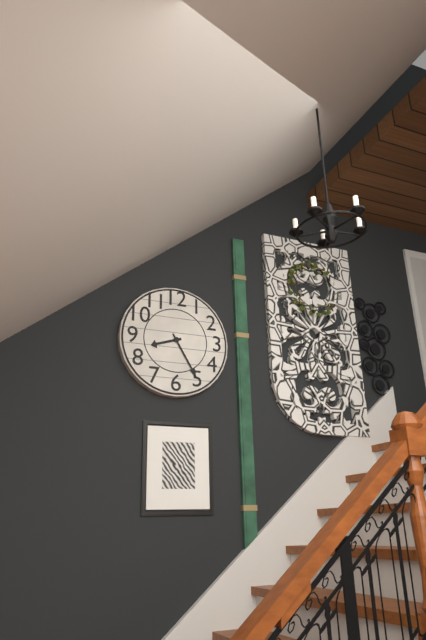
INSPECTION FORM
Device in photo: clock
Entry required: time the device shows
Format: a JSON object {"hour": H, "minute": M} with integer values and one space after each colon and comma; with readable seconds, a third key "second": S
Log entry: {"hour": 8, "minute": 25}
